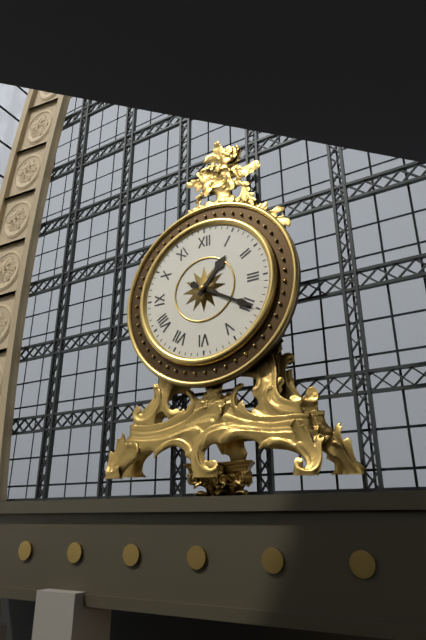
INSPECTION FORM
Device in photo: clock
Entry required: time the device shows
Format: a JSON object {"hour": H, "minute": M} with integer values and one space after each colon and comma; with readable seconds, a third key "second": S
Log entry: {"hour": 1, "minute": 20}
